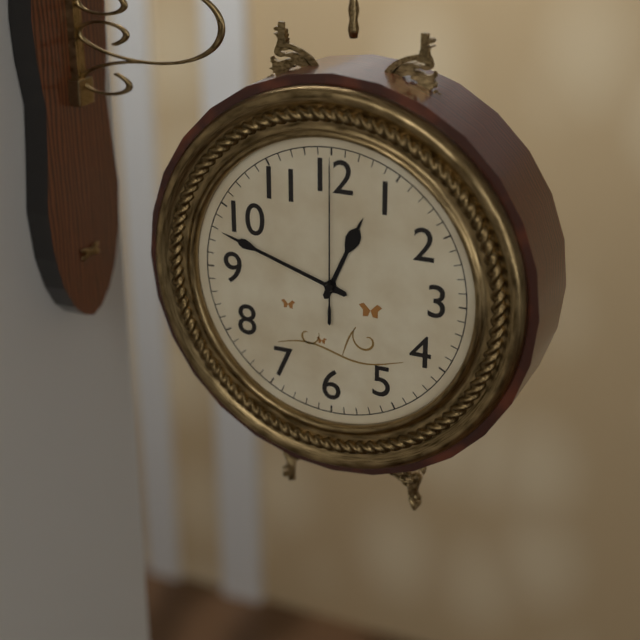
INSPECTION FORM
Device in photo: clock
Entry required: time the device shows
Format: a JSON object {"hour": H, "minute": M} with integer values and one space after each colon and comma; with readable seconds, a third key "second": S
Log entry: {"hour": 12, "minute": 48, "second": 0}
